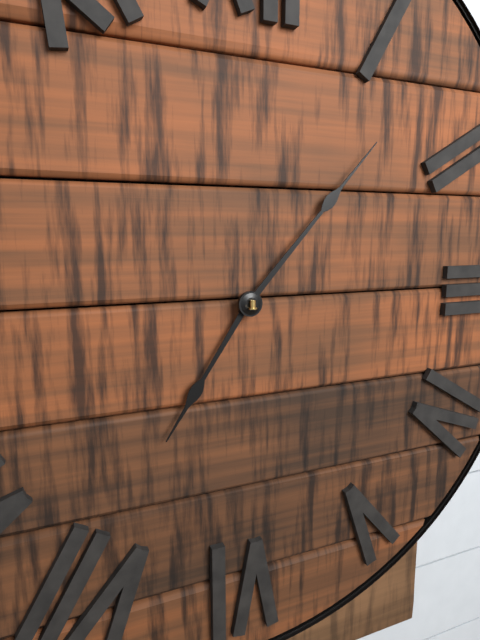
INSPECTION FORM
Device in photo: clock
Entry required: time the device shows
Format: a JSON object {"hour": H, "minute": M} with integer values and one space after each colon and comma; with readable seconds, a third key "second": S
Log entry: {"hour": 7, "minute": 7}
